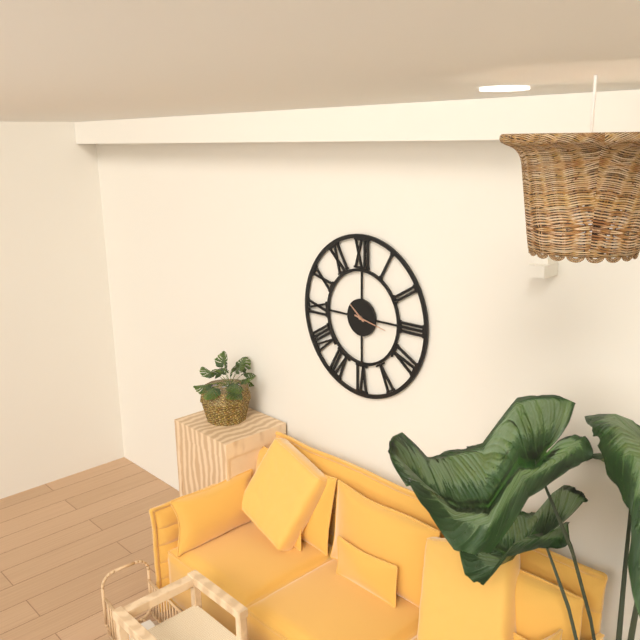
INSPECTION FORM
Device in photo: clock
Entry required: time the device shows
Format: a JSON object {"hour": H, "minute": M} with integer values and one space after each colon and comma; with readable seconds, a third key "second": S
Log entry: {"hour": 10, "minute": 17}
